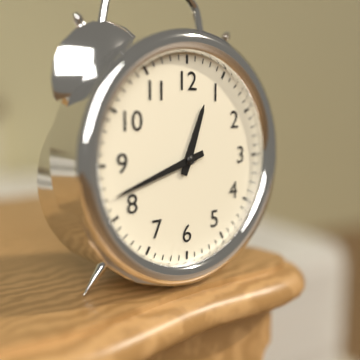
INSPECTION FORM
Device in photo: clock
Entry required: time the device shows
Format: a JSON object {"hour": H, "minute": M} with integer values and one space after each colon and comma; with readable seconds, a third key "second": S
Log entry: {"hour": 12, "minute": 42}
